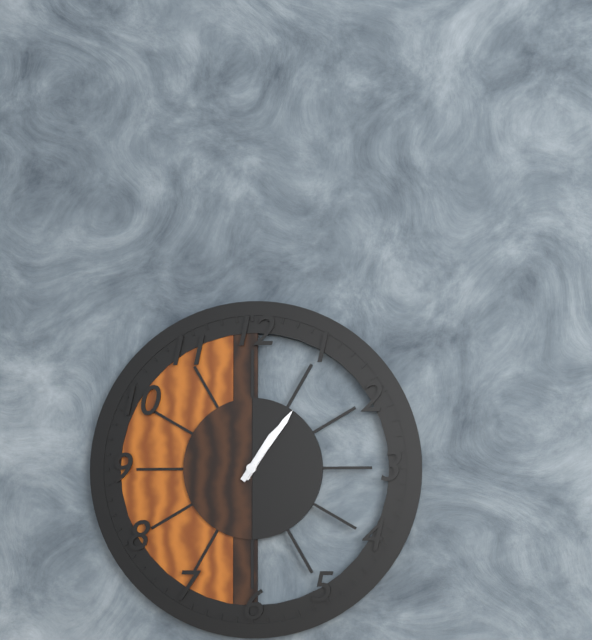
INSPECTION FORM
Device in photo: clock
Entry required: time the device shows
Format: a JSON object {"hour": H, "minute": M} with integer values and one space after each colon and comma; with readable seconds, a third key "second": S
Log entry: {"hour": 1, "minute": 6}
